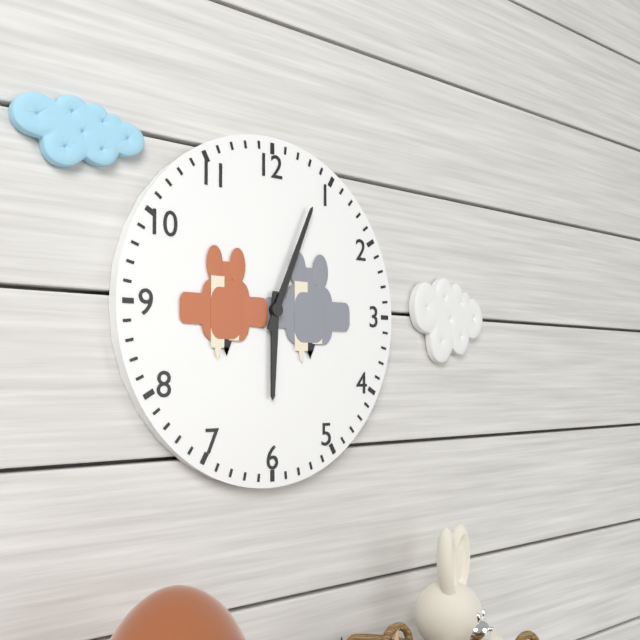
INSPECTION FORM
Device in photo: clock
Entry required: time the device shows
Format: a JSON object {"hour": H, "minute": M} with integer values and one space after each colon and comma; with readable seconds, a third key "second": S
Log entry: {"hour": 6, "minute": 4}
